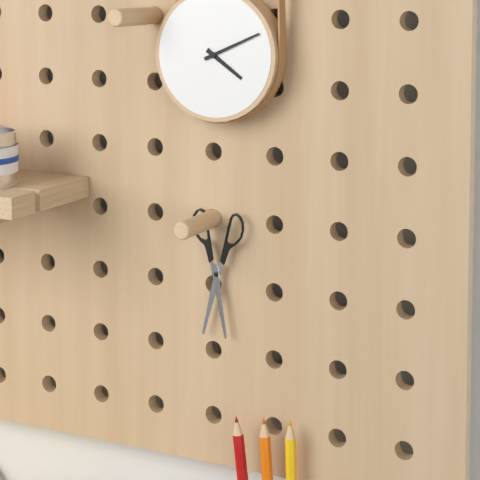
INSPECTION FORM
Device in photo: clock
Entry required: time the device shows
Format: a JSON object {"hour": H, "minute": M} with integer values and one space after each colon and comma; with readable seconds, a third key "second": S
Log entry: {"hour": 4, "minute": 11}
